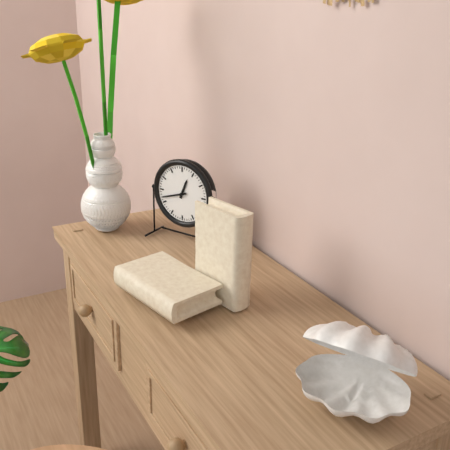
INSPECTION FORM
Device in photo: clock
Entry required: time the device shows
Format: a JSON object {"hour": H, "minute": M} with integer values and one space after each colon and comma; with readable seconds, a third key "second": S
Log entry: {"hour": 12, "minute": 42}
